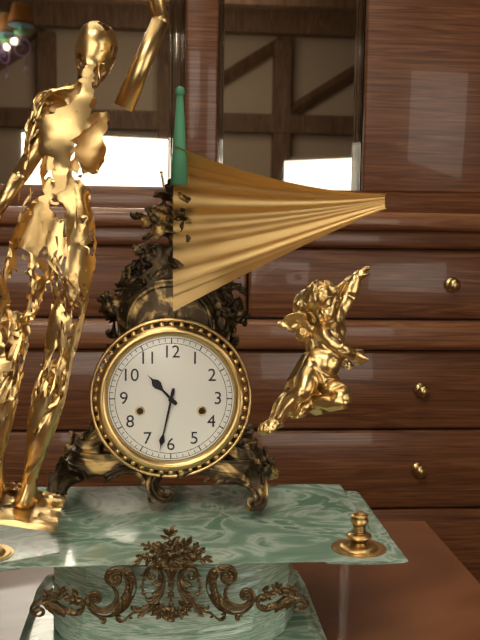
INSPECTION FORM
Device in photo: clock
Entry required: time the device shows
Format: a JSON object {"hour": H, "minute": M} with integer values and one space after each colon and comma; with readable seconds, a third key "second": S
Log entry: {"hour": 10, "minute": 32}
